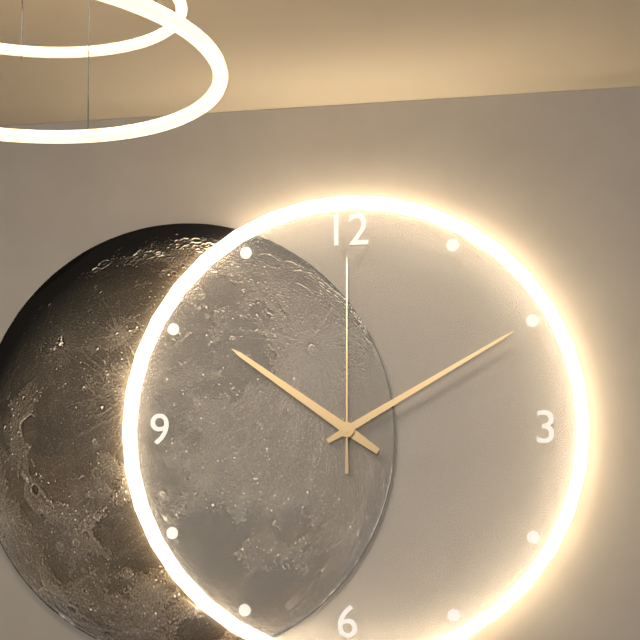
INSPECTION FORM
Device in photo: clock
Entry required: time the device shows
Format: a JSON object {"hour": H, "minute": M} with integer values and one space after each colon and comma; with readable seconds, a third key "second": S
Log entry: {"hour": 10, "minute": 10, "second": 0}
